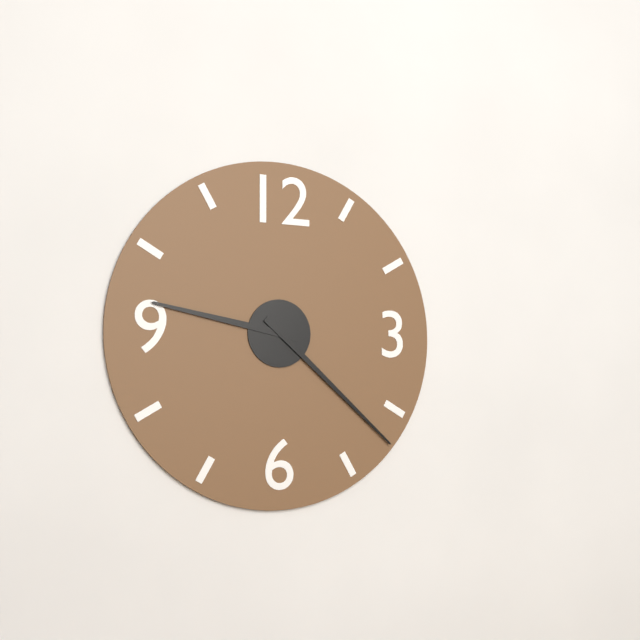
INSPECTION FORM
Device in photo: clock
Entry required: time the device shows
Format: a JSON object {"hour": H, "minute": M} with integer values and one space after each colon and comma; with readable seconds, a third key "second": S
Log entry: {"hour": 9, "minute": 22}
